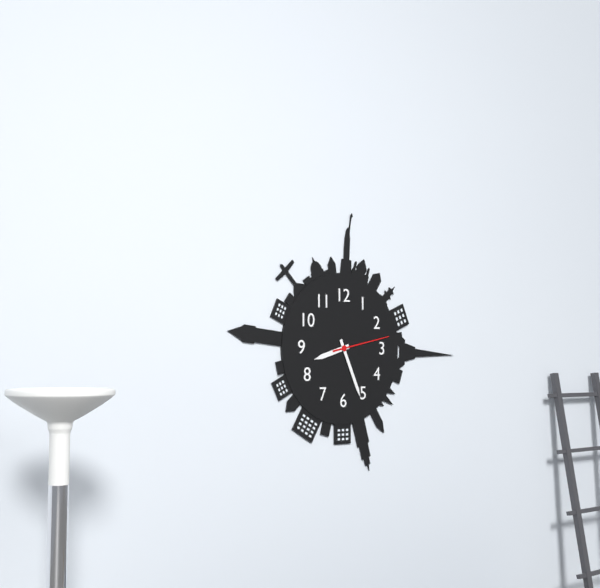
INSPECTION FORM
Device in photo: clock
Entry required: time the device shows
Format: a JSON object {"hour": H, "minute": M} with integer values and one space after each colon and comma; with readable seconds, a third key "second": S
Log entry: {"hour": 8, "minute": 26, "second": 13}
